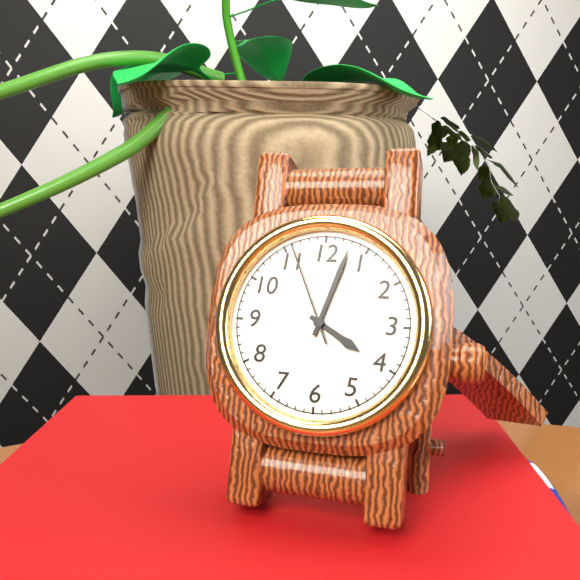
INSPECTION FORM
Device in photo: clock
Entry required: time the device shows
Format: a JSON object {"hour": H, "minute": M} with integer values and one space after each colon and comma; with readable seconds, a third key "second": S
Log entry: {"hour": 4, "minute": 3, "second": 56}
